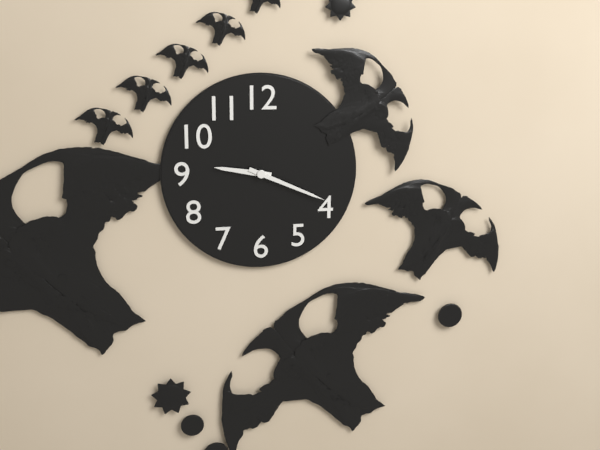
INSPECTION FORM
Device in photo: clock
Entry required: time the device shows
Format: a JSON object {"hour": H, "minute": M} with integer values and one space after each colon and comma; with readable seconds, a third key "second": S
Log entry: {"hour": 9, "minute": 19}
